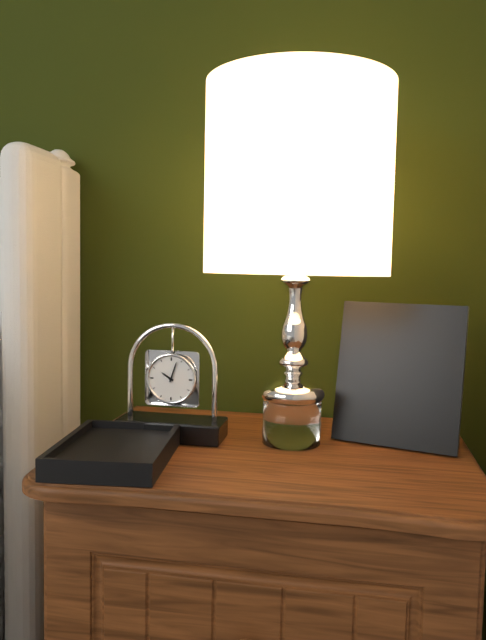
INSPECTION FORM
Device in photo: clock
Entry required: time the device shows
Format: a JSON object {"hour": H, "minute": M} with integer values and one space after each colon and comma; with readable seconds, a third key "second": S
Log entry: {"hour": 10, "minute": 3}
